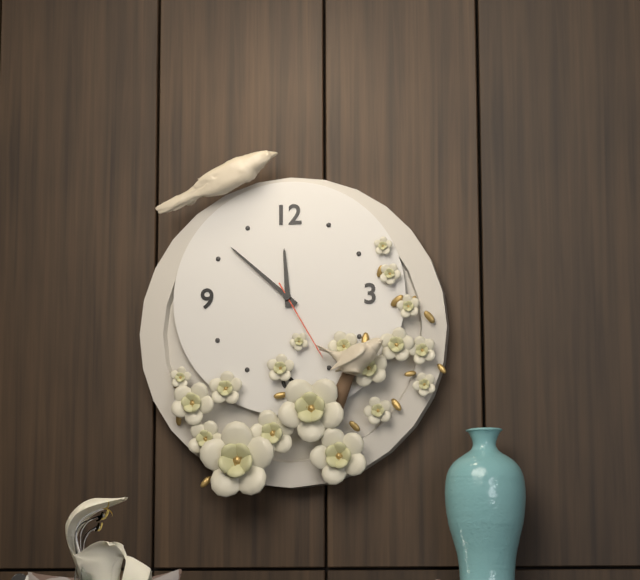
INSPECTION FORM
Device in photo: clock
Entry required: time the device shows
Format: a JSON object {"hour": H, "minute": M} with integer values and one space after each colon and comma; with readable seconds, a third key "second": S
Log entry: {"hour": 11, "minute": 52, "second": 25}
